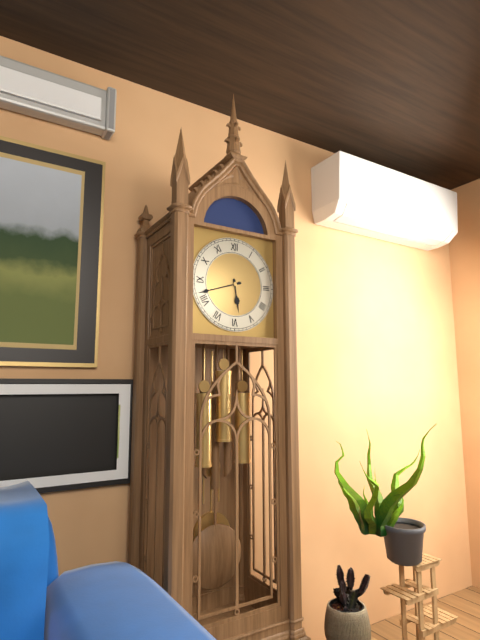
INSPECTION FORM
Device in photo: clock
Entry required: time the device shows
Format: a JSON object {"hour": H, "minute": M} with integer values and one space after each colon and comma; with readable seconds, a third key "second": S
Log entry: {"hour": 5, "minute": 42}
